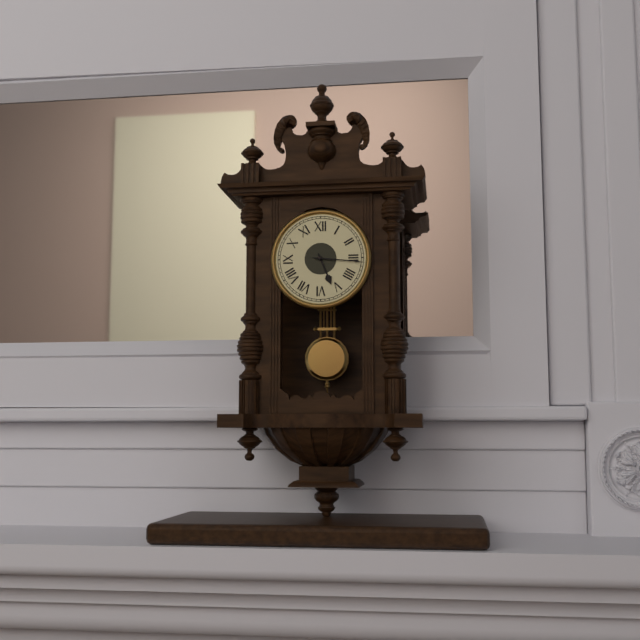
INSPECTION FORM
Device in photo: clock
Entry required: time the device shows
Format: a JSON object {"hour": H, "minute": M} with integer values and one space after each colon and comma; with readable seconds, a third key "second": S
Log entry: {"hour": 5, "minute": 16}
